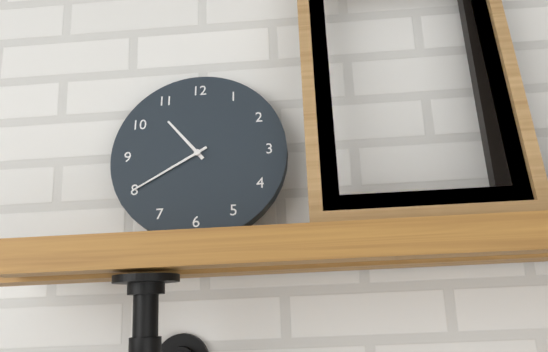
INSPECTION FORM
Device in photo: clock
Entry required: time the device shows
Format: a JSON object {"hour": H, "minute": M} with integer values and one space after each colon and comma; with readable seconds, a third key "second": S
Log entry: {"hour": 10, "minute": 40}
